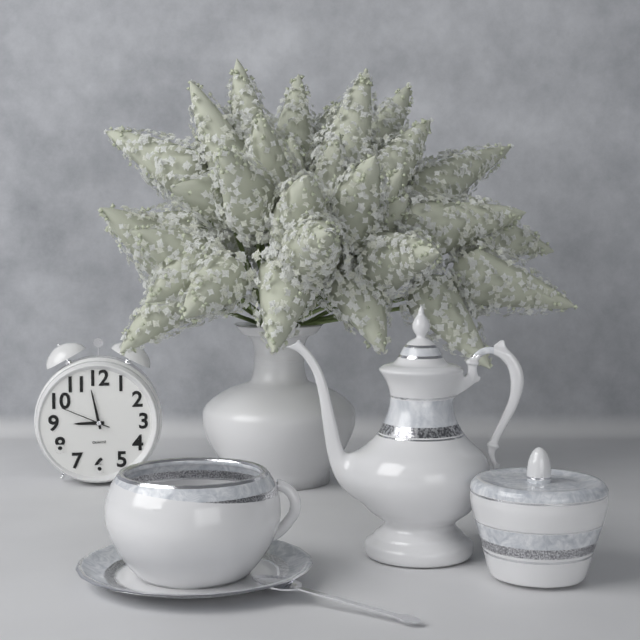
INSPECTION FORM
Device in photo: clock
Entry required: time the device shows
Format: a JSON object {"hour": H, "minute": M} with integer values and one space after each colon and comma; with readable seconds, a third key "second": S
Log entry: {"hour": 8, "minute": 58, "second": 49}
